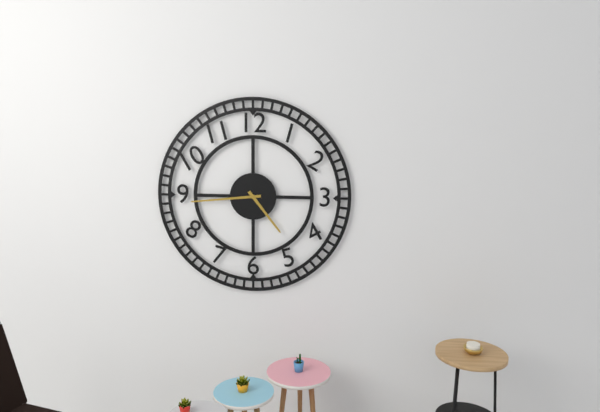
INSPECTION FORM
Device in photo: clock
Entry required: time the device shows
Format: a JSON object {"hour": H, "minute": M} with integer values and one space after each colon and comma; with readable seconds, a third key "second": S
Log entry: {"hour": 4, "minute": 44}
